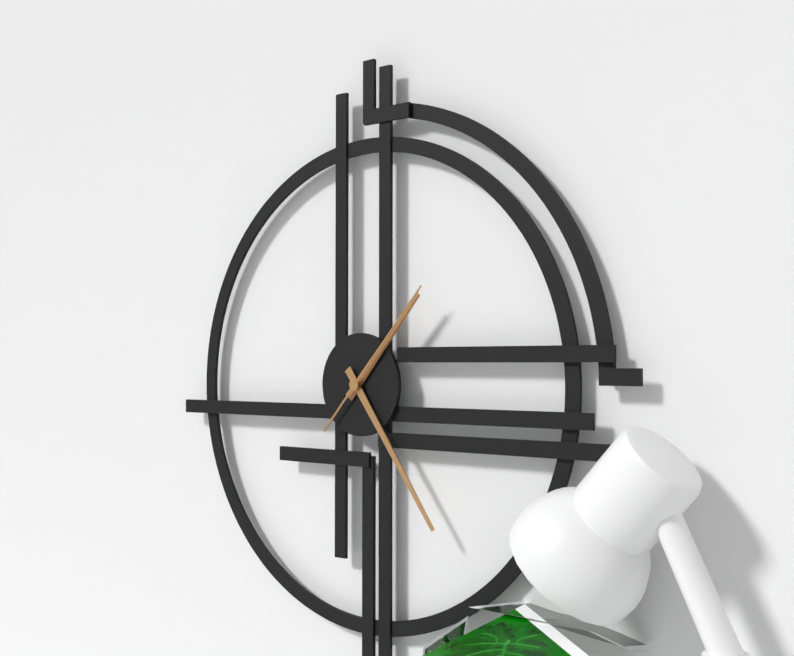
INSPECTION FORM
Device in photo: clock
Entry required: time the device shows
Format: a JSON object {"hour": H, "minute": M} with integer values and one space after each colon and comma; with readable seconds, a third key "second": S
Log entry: {"hour": 1, "minute": 24, "second": 7}
